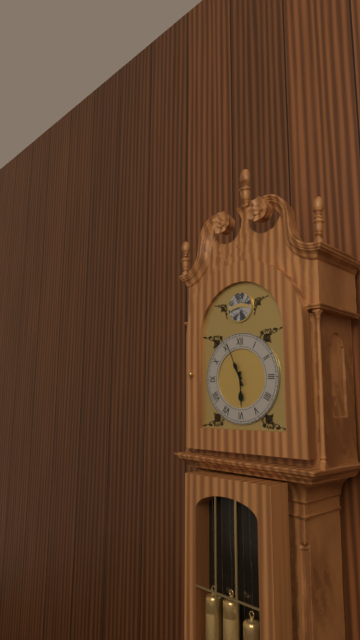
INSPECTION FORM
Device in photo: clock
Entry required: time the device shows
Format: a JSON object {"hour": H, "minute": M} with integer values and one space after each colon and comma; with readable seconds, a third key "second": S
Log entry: {"hour": 5, "minute": 56}
